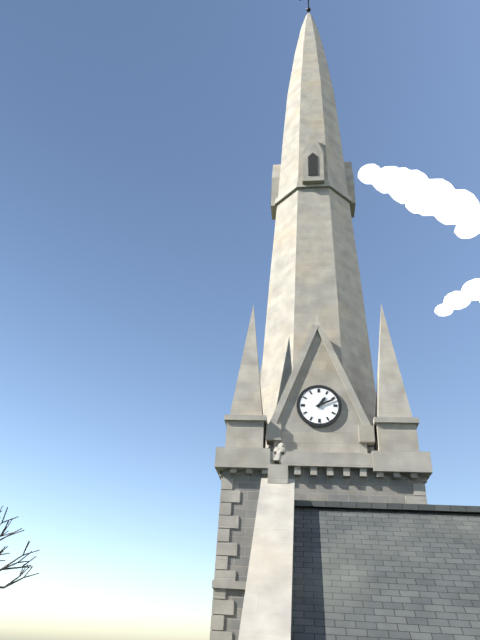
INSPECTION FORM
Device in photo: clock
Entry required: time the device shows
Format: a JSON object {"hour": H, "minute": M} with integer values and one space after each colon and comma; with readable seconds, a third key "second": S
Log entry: {"hour": 1, "minute": 11}
